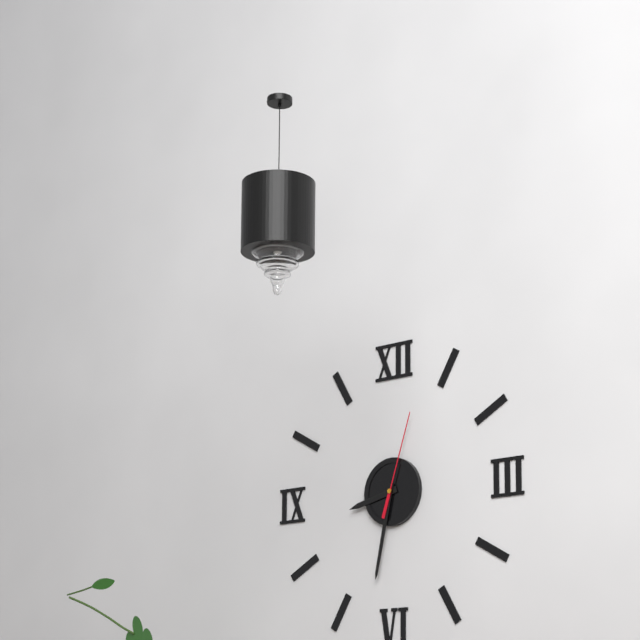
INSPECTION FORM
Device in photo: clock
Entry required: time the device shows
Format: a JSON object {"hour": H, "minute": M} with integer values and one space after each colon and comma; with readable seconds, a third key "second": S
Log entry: {"hour": 8, "minute": 32, "second": 3}
